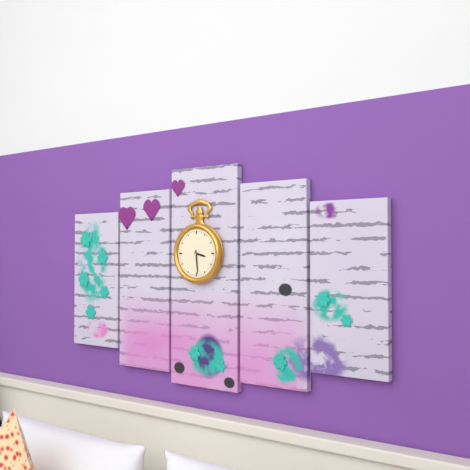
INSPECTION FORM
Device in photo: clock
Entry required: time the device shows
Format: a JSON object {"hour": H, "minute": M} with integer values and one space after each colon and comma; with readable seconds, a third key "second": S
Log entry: {"hour": 3, "minute": 29}
